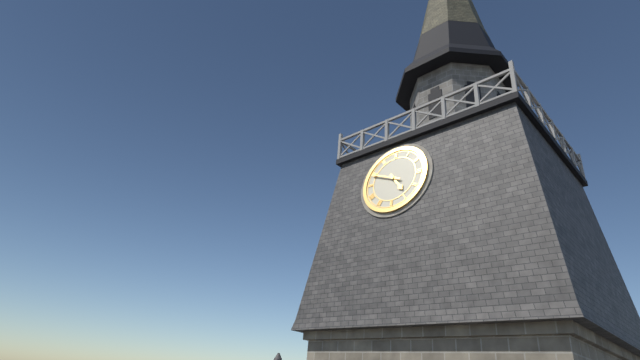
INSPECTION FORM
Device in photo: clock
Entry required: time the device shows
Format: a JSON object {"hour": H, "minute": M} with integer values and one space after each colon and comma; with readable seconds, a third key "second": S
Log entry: {"hour": 4, "minute": 49}
